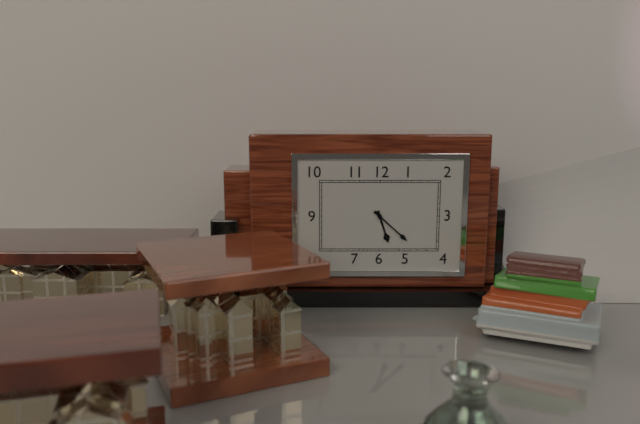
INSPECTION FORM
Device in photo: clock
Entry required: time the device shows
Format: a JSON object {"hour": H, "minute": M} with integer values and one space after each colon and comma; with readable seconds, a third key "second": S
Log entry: {"hour": 5, "minute": 22}
